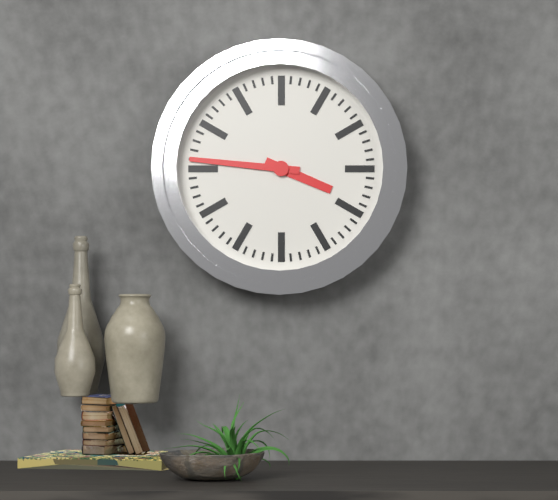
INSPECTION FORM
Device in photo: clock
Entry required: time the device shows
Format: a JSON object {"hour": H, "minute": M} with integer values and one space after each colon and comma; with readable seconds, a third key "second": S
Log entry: {"hour": 3, "minute": 46}
